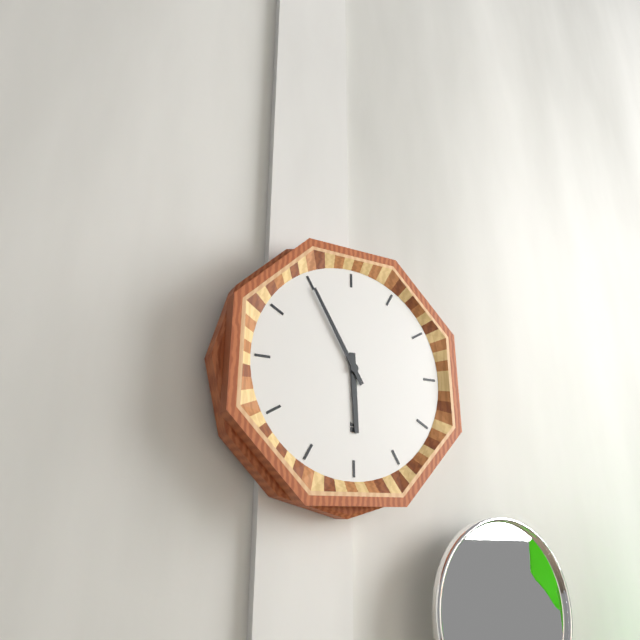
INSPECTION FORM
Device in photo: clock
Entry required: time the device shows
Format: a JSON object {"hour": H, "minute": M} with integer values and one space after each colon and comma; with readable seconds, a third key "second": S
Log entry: {"hour": 5, "minute": 55}
